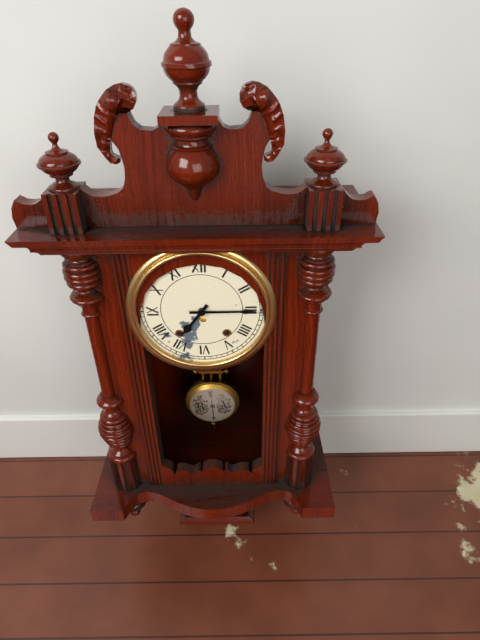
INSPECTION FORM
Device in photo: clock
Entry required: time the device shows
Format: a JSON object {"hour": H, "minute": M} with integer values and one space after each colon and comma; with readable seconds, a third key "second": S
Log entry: {"hour": 7, "minute": 15}
